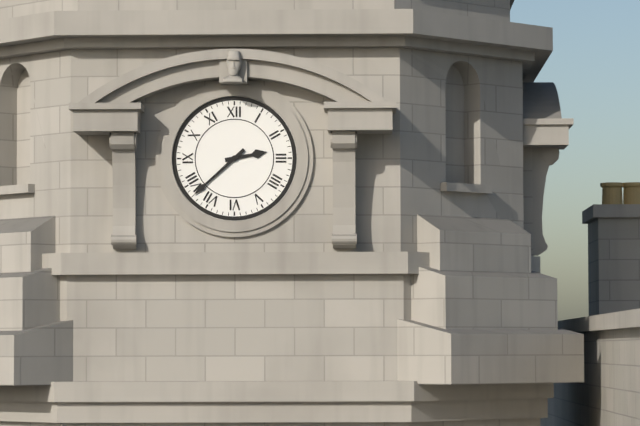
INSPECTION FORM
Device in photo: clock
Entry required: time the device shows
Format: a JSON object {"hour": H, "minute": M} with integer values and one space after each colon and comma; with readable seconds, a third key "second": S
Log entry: {"hour": 2, "minute": 38}
